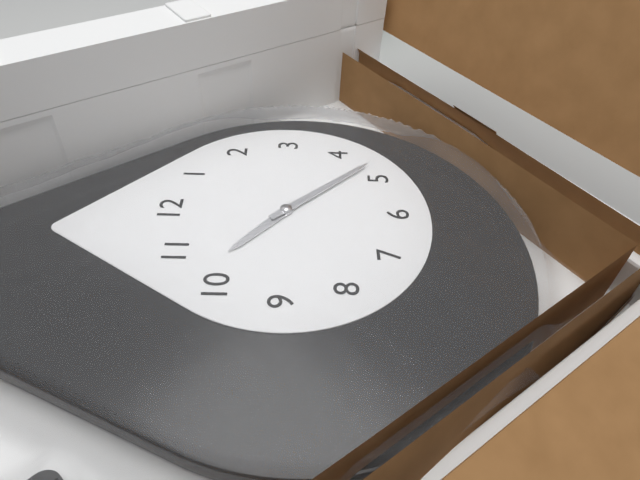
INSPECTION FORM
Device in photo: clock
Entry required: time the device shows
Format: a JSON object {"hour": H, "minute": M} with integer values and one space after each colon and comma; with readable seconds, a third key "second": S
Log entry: {"hour": 10, "minute": 23}
